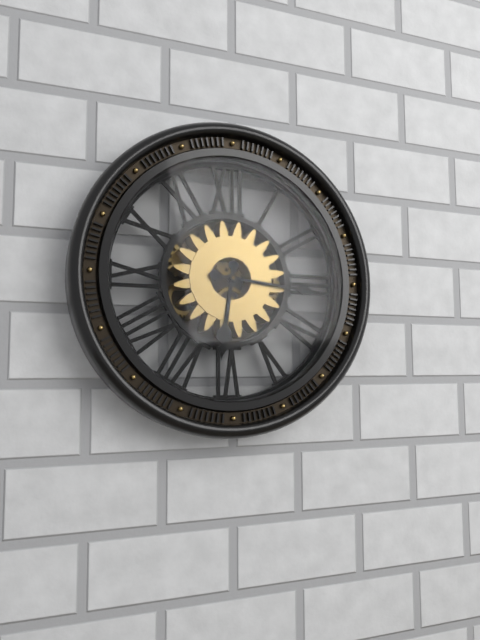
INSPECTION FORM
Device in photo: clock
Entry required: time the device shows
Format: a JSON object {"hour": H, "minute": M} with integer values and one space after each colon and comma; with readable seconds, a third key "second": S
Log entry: {"hour": 6, "minute": 16}
